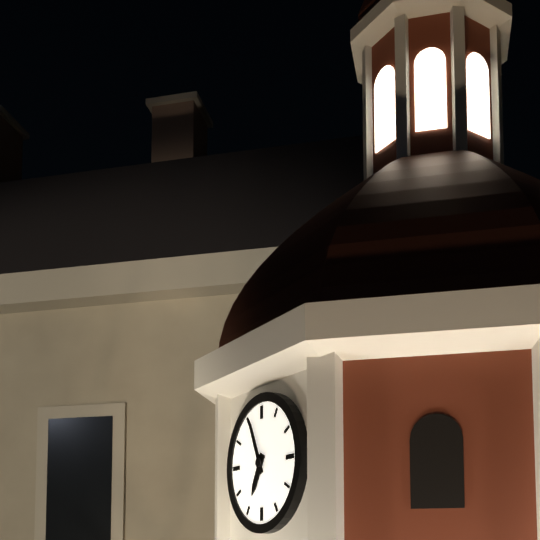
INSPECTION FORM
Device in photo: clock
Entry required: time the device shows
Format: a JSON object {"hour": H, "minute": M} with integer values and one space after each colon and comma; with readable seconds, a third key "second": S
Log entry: {"hour": 6, "minute": 56}
